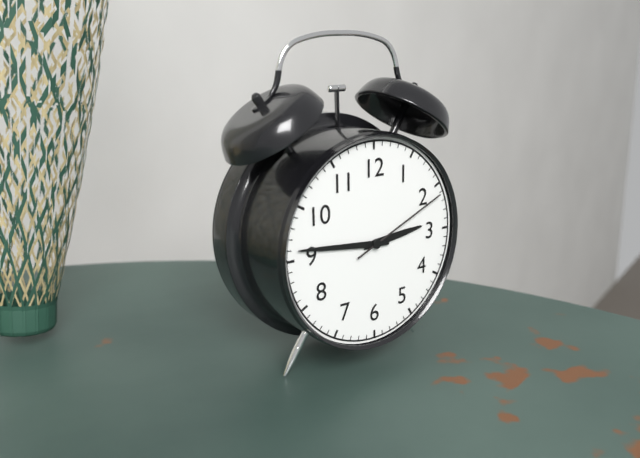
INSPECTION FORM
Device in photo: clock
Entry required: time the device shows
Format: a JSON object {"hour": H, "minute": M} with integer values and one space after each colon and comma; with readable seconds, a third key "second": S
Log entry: {"hour": 2, "minute": 46, "second": 11}
